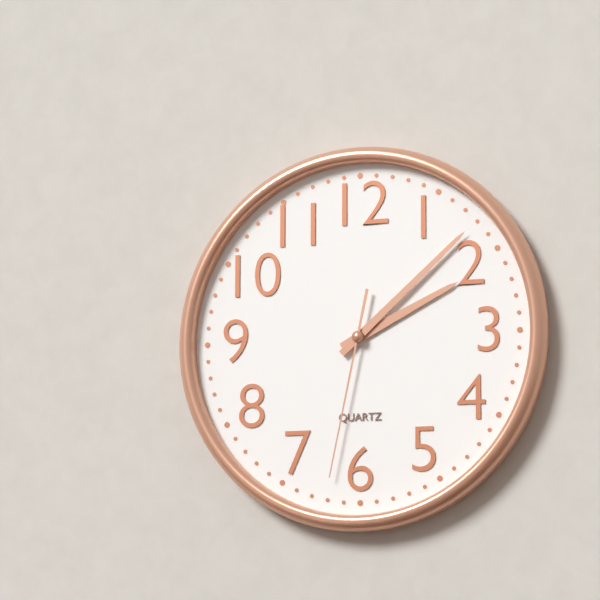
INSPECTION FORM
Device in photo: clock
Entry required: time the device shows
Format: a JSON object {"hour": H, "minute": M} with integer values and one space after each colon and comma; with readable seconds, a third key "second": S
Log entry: {"hour": 2, "minute": 8, "second": 32}
